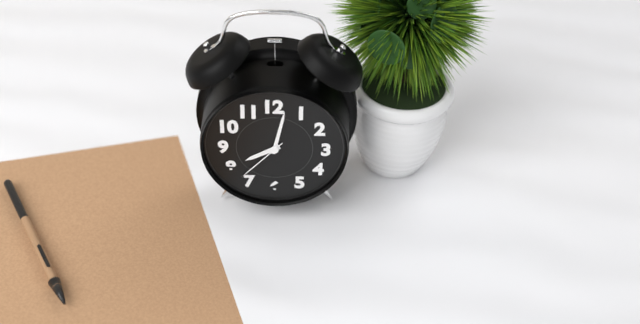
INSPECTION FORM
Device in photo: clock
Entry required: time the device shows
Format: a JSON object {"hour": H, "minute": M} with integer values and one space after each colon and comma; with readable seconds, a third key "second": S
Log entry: {"hour": 8, "minute": 2, "second": 37}
